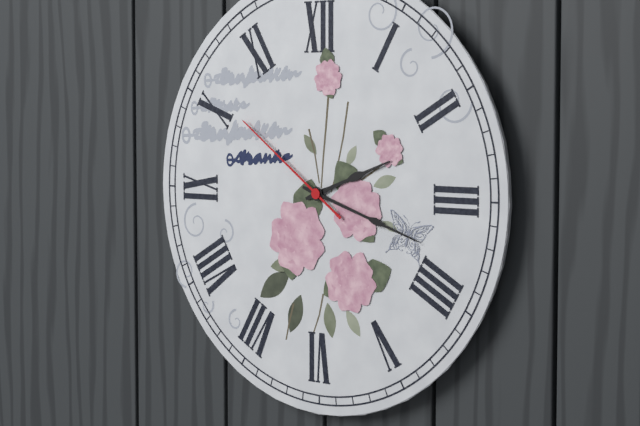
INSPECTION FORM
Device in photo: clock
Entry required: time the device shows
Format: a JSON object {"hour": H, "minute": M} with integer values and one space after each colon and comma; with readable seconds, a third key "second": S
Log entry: {"hour": 2, "minute": 18, "second": 51}
